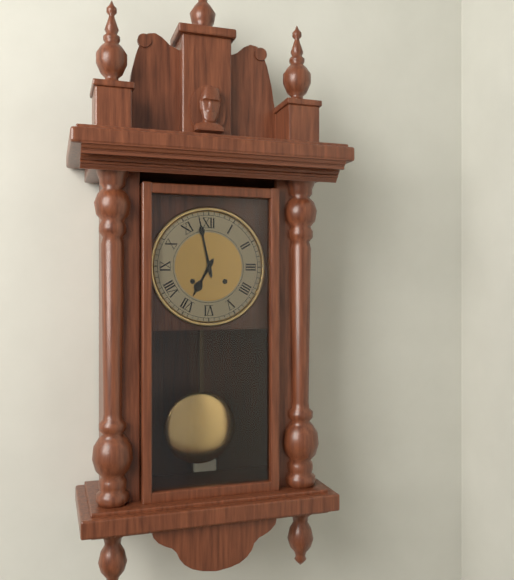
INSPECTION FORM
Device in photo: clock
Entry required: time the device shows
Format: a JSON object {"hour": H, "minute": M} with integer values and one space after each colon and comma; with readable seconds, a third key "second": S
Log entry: {"hour": 6, "minute": 58}
